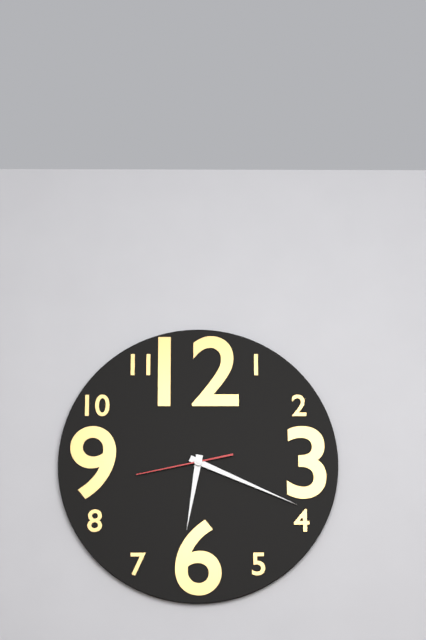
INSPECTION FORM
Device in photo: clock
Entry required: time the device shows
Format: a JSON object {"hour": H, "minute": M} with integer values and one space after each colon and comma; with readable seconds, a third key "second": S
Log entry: {"hour": 6, "minute": 19, "second": 43}
